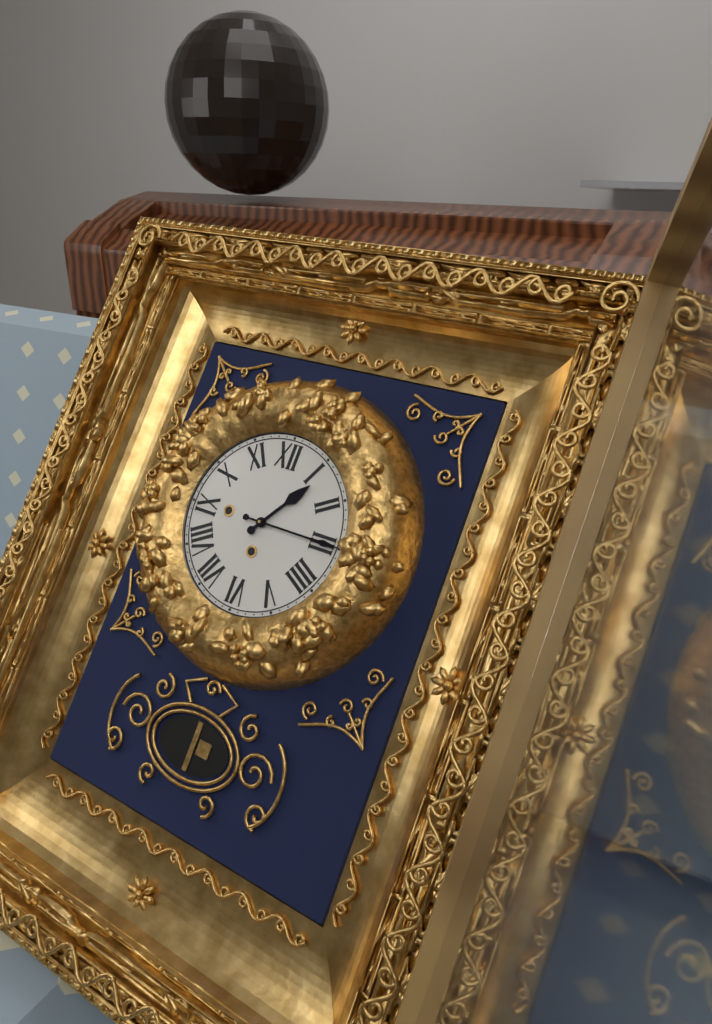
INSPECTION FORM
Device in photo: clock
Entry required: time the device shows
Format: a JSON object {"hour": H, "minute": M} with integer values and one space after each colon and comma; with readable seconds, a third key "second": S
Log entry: {"hour": 1, "minute": 15}
